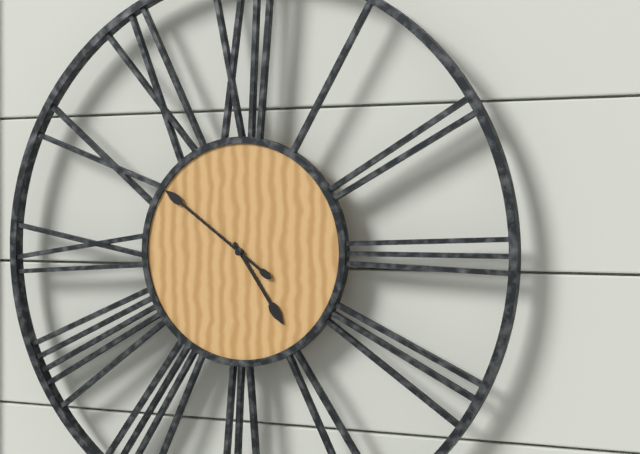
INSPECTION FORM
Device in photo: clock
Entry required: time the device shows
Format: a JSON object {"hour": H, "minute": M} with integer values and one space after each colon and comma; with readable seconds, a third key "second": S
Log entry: {"hour": 4, "minute": 51}
